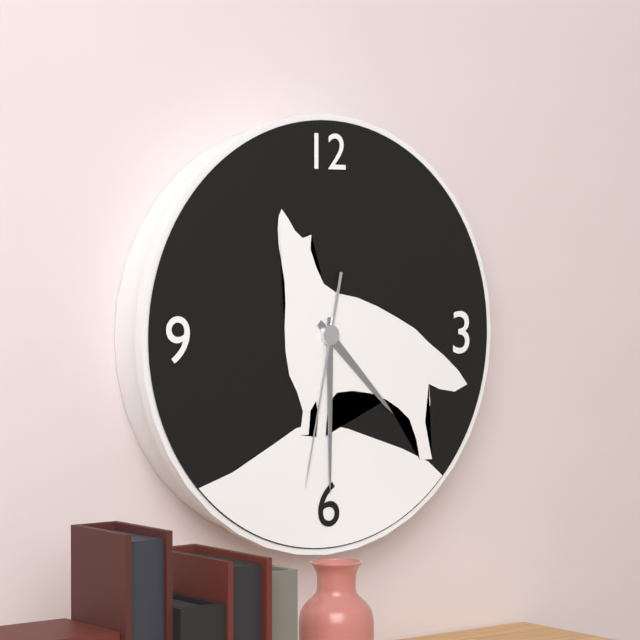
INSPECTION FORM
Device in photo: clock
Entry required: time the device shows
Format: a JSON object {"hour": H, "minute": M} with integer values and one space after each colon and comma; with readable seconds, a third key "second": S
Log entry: {"hour": 4, "minute": 30, "second": 32}
